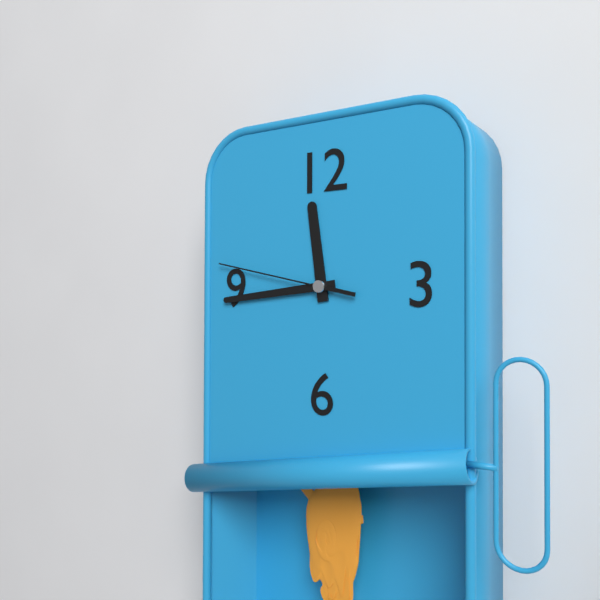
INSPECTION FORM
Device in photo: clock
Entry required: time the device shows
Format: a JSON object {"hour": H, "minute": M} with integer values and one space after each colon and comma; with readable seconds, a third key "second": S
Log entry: {"hour": 11, "minute": 44, "second": 47}
